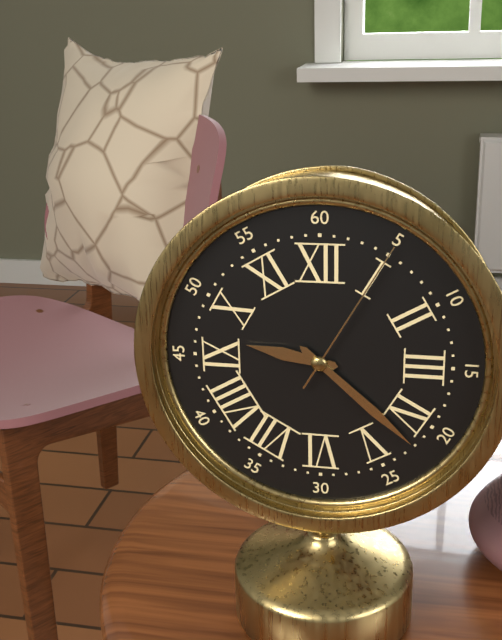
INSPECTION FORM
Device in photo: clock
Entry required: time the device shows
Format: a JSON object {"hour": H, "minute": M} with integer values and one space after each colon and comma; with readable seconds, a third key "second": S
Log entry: {"hour": 9, "minute": 22, "second": 5}
